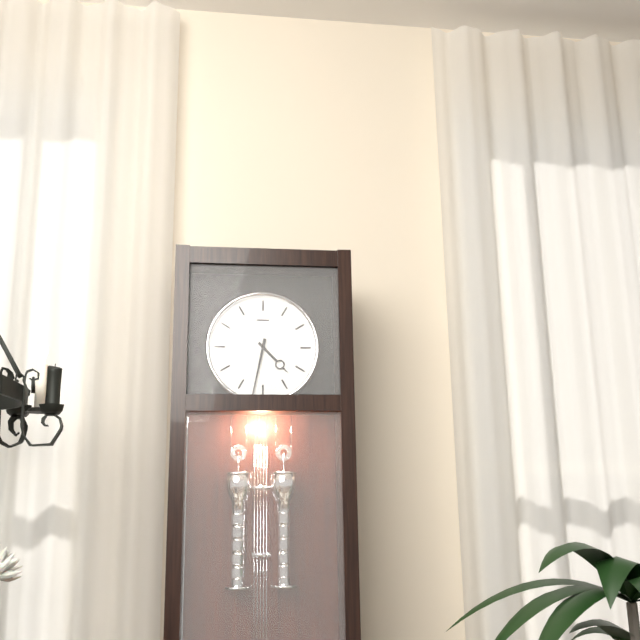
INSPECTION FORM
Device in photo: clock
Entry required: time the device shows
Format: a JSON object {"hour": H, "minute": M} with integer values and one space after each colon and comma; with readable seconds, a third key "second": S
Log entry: {"hour": 4, "minute": 32}
